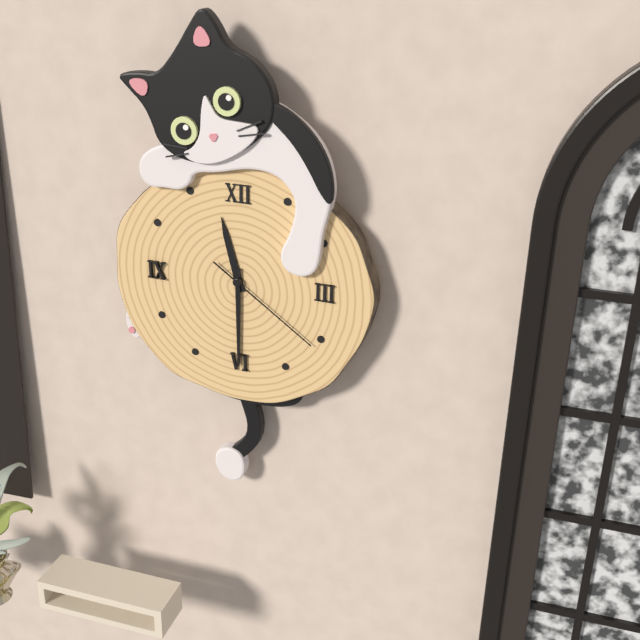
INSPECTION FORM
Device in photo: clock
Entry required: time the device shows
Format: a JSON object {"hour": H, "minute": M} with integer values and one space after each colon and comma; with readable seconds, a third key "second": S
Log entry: {"hour": 11, "minute": 30, "second": 21}
